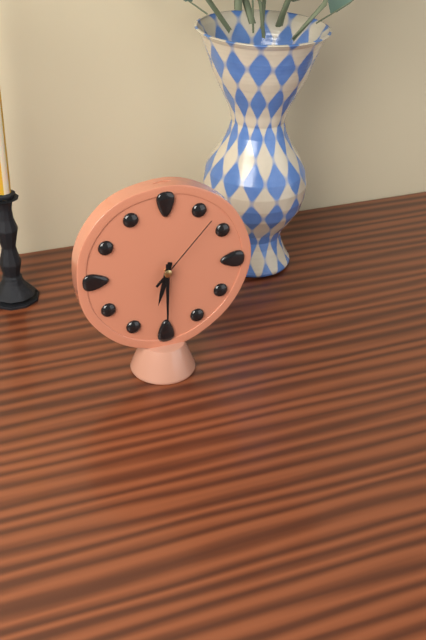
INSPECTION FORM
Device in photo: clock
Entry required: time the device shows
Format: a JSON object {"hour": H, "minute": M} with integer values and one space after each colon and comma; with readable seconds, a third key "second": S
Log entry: {"hour": 6, "minute": 30, "second": 7}
